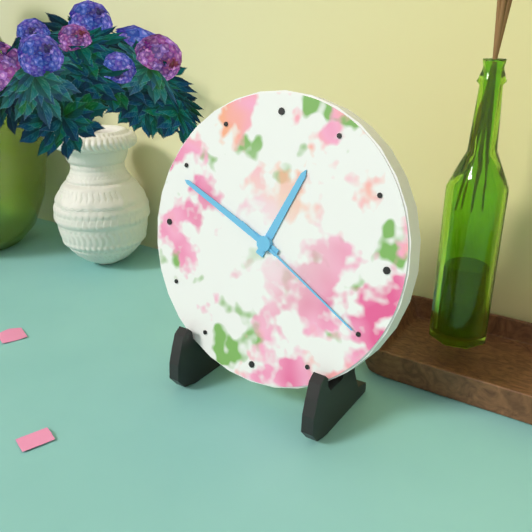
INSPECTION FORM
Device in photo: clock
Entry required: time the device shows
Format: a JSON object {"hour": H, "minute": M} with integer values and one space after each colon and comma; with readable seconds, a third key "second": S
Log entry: {"hour": 12, "minute": 49, "second": 20}
